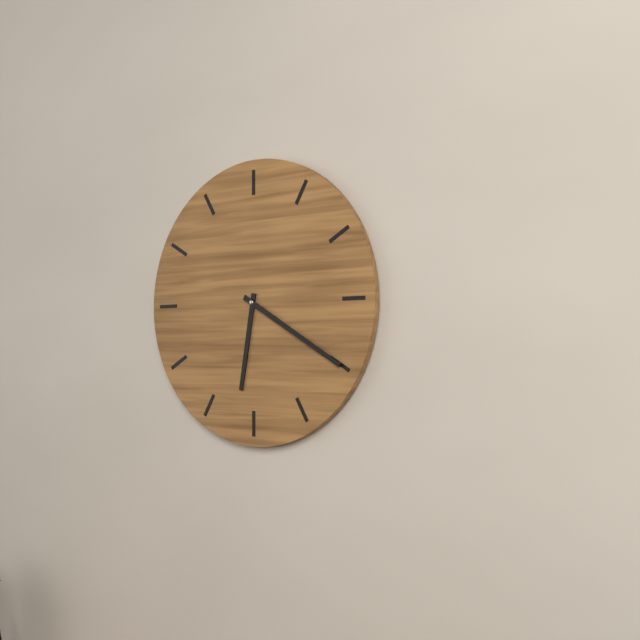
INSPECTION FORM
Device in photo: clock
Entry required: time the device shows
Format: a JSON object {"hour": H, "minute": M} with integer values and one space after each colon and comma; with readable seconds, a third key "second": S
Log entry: {"hour": 6, "minute": 20}
